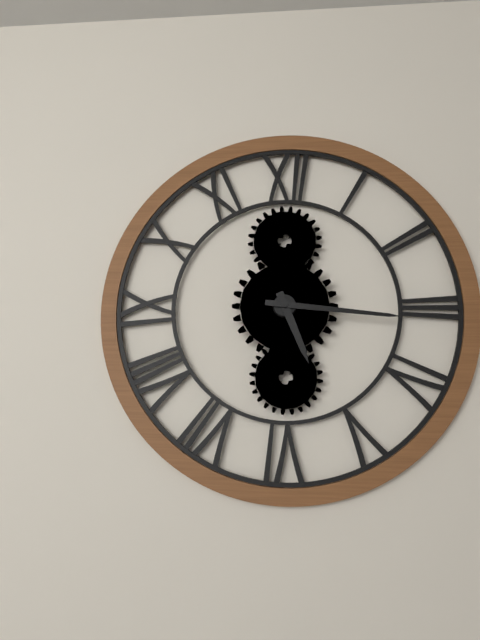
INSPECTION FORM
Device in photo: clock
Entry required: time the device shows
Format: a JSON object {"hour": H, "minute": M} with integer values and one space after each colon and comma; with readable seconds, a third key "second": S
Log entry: {"hour": 5, "minute": 16}
